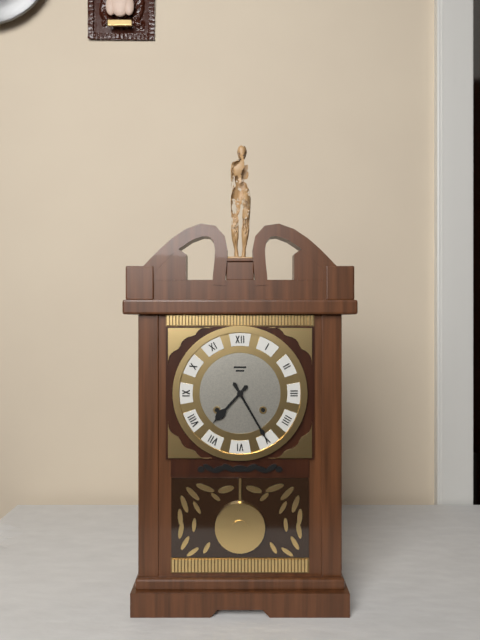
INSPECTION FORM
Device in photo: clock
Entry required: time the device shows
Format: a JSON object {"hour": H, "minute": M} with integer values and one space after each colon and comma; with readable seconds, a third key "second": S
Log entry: {"hour": 7, "minute": 25}
